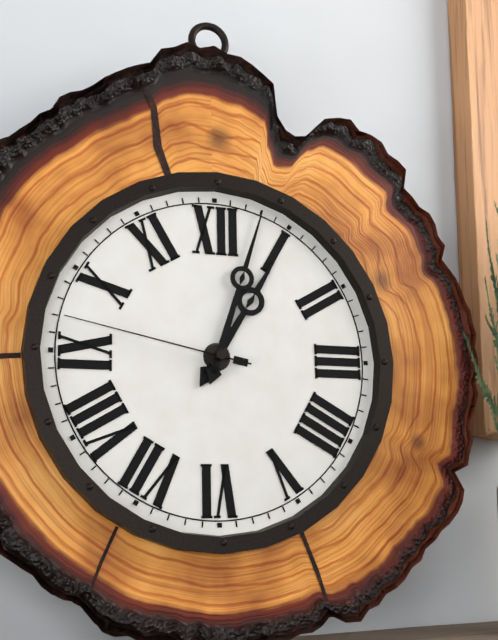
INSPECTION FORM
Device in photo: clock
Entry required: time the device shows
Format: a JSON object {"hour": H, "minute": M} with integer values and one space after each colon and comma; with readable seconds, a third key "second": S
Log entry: {"hour": 1, "minute": 3, "second": 47}
